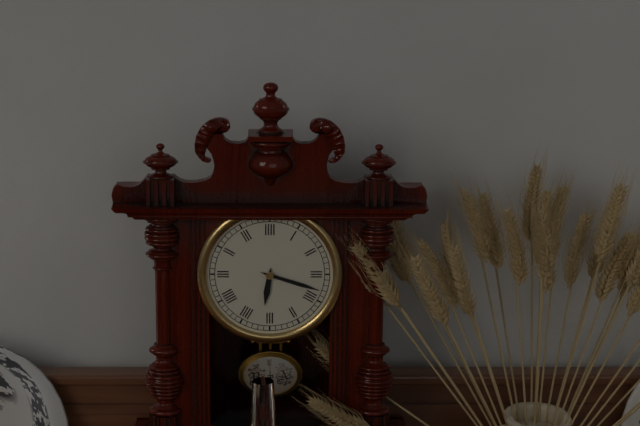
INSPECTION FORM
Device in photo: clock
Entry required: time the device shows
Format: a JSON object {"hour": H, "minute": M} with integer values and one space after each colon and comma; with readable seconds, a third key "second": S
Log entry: {"hour": 6, "minute": 18}
